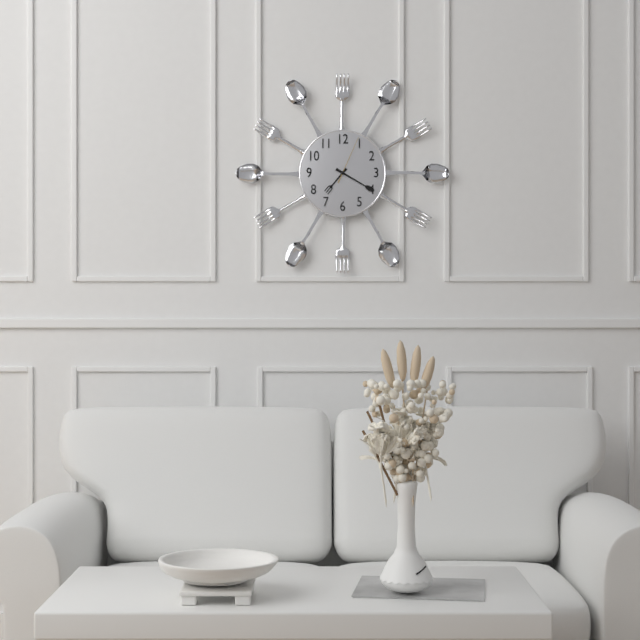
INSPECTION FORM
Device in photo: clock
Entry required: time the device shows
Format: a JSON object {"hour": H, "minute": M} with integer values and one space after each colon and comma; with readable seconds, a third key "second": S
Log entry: {"hour": 7, "minute": 20}
